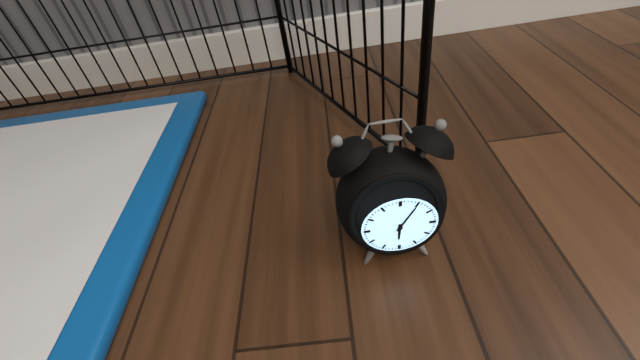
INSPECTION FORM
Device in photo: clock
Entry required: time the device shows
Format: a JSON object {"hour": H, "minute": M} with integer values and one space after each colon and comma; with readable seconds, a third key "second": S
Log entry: {"hour": 6, "minute": 5}
